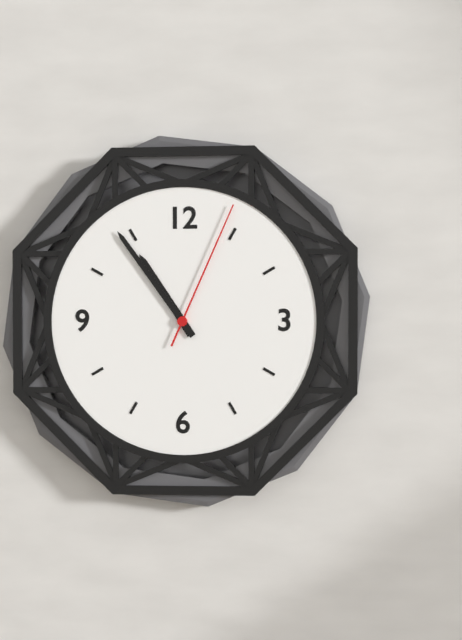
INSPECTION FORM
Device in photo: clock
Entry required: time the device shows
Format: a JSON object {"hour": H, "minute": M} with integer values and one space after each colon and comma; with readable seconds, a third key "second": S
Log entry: {"hour": 10, "minute": 54, "second": 4}
